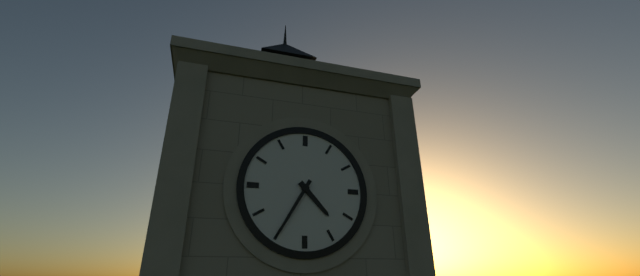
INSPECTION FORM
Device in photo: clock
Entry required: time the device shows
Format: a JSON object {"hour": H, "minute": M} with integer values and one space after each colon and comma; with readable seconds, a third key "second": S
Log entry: {"hour": 4, "minute": 35}
